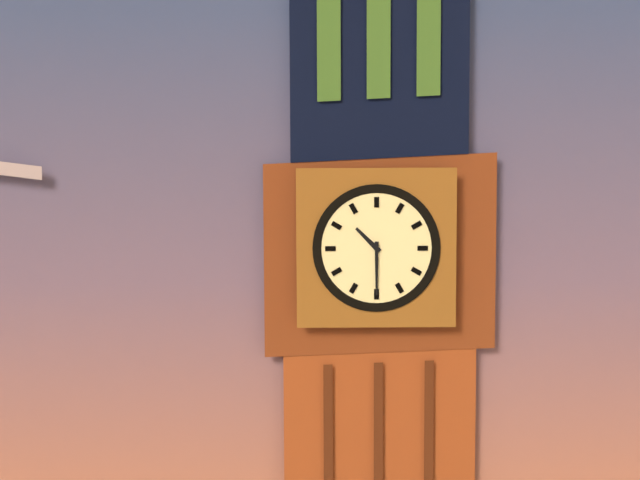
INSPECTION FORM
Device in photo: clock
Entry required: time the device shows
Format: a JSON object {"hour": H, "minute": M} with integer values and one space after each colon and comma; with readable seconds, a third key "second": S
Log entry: {"hour": 10, "minute": 30}
